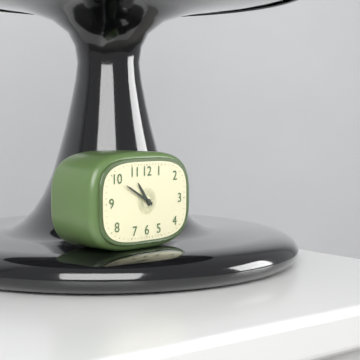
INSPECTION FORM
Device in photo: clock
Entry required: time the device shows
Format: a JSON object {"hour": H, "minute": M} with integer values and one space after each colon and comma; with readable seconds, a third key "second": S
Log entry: {"hour": 10, "minute": 50}
